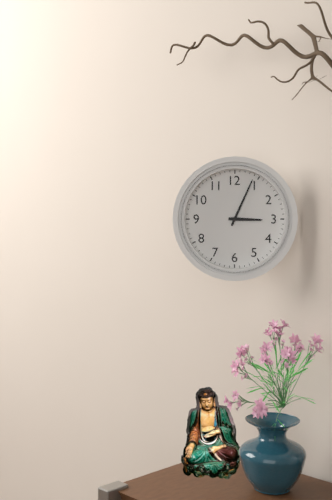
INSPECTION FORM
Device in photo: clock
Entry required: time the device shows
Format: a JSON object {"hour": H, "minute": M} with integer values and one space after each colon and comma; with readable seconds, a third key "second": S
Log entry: {"hour": 3, "minute": 4}
